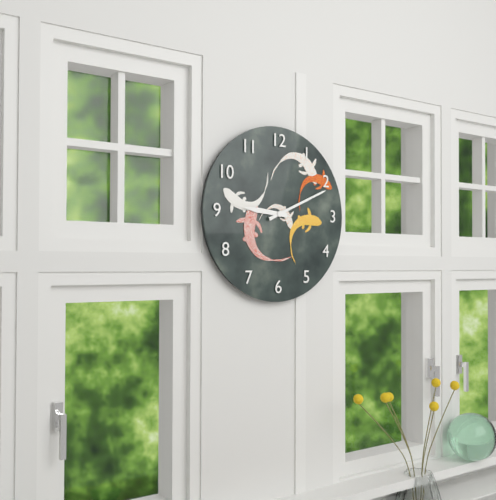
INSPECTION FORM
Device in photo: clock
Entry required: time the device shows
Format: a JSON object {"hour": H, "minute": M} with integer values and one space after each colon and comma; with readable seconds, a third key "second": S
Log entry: {"hour": 9, "minute": 11}
